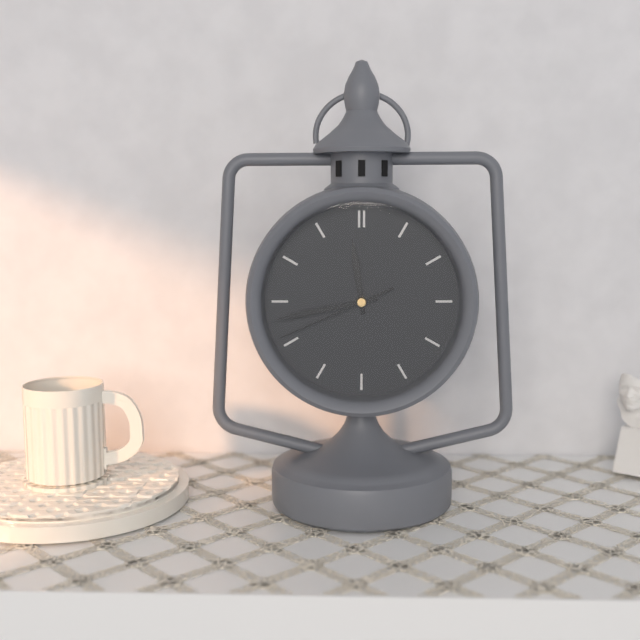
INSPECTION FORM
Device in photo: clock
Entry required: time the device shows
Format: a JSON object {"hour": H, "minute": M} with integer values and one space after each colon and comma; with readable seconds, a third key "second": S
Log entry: {"hour": 11, "minute": 43, "second": 41}
